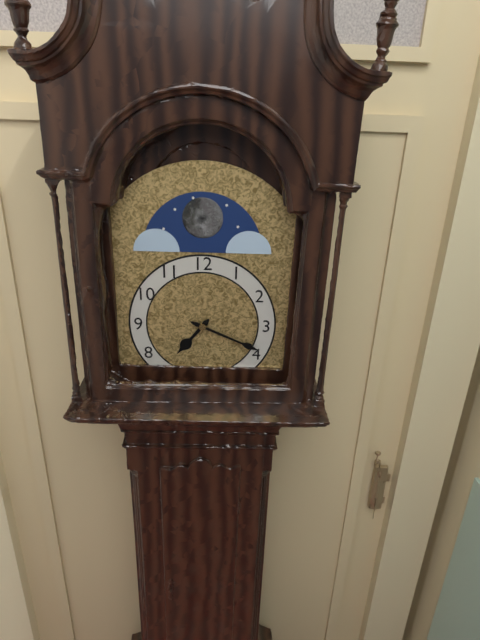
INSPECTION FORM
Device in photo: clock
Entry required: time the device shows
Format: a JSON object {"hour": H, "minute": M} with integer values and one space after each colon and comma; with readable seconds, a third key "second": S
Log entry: {"hour": 7, "minute": 19}
